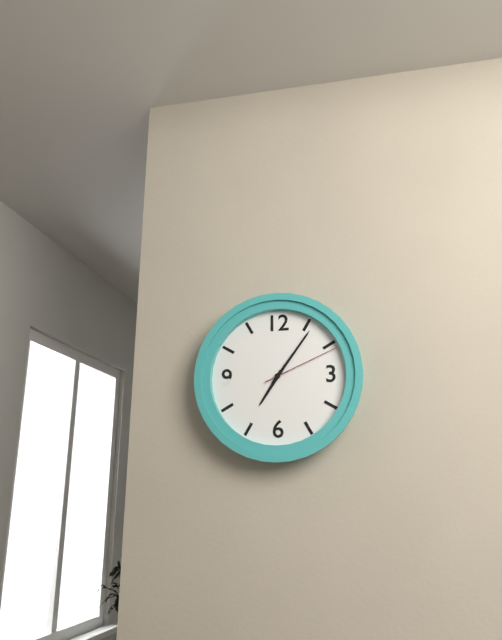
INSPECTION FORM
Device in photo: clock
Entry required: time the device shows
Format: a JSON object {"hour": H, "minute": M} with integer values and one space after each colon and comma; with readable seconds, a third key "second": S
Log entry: {"hour": 7, "minute": 6, "second": 11}
